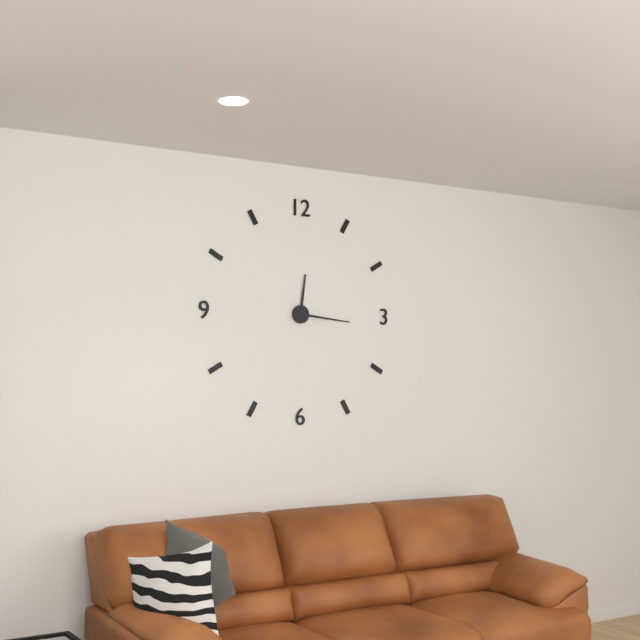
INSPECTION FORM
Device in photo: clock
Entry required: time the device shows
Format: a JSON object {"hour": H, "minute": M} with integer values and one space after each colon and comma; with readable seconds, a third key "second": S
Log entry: {"hour": 12, "minute": 16}
